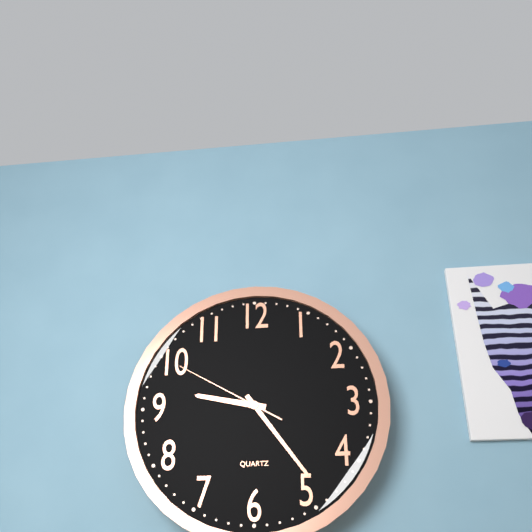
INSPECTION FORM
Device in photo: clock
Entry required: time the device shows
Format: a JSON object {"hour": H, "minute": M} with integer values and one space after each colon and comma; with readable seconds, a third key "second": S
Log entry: {"hour": 9, "minute": 24, "second": 50}
